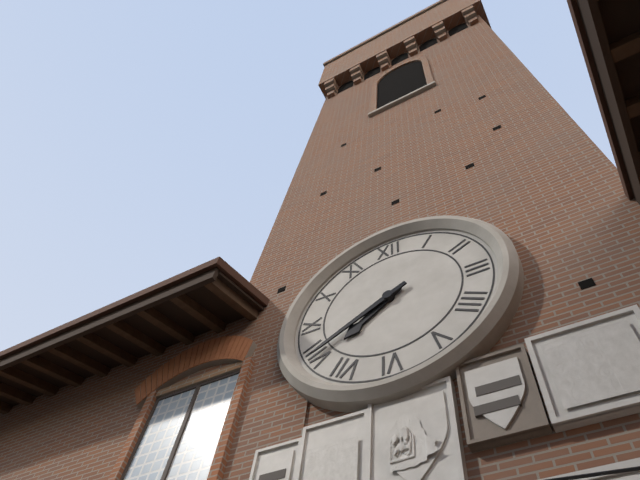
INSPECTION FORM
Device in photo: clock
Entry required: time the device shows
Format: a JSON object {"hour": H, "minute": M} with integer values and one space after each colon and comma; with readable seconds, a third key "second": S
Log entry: {"hour": 7, "minute": 40}
